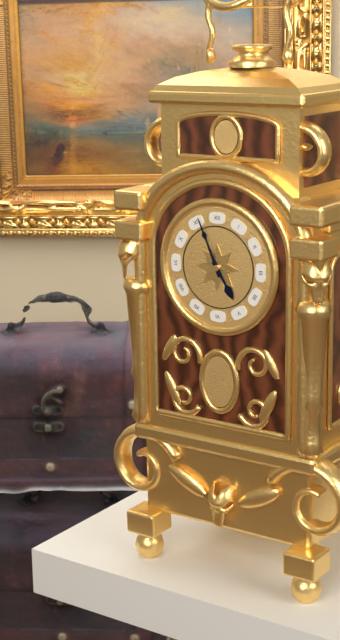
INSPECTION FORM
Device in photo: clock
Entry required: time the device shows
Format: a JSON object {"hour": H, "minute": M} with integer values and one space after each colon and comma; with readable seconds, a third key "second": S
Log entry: {"hour": 4, "minute": 56}
